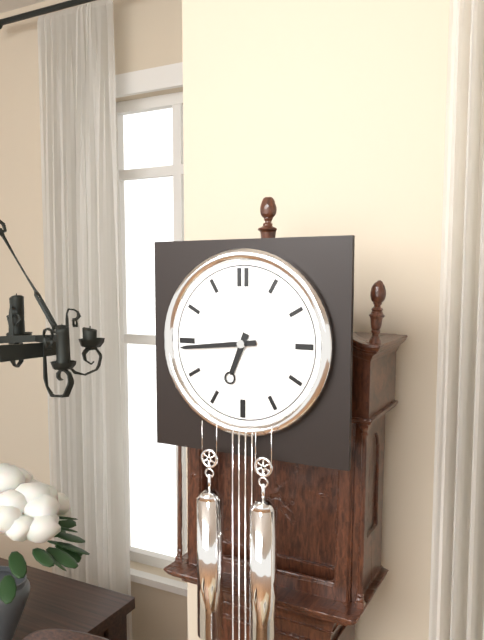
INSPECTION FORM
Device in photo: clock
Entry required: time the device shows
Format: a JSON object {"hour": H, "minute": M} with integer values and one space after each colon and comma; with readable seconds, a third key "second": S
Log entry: {"hour": 6, "minute": 44}
